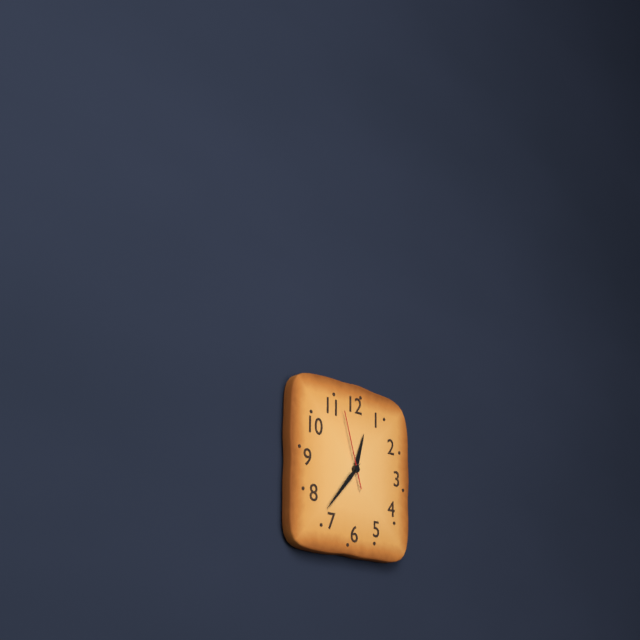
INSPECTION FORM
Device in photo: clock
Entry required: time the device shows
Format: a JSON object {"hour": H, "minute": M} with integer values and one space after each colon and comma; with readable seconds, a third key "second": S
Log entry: {"hour": 12, "minute": 37, "second": 57}
